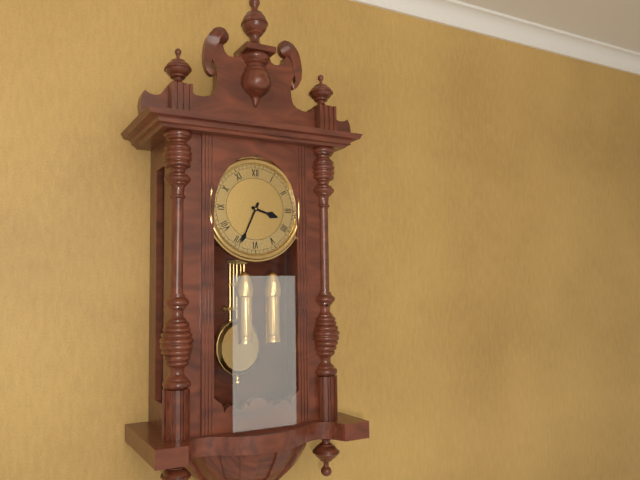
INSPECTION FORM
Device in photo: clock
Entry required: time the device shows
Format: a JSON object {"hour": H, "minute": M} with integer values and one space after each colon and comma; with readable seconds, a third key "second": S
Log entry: {"hour": 3, "minute": 34}
